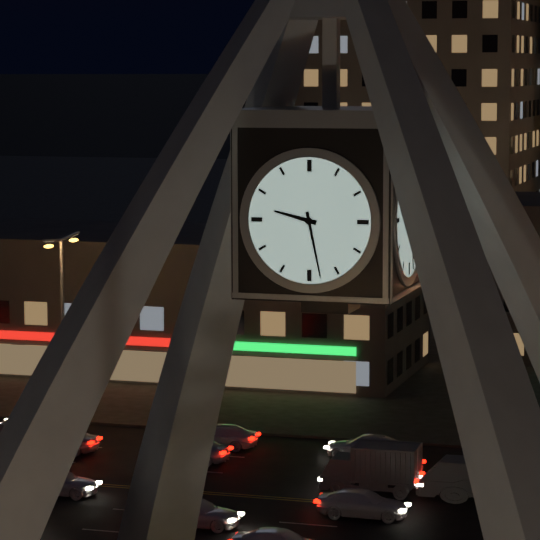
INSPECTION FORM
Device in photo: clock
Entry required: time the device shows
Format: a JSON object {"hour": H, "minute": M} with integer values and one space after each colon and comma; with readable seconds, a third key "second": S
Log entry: {"hour": 9, "minute": 28}
